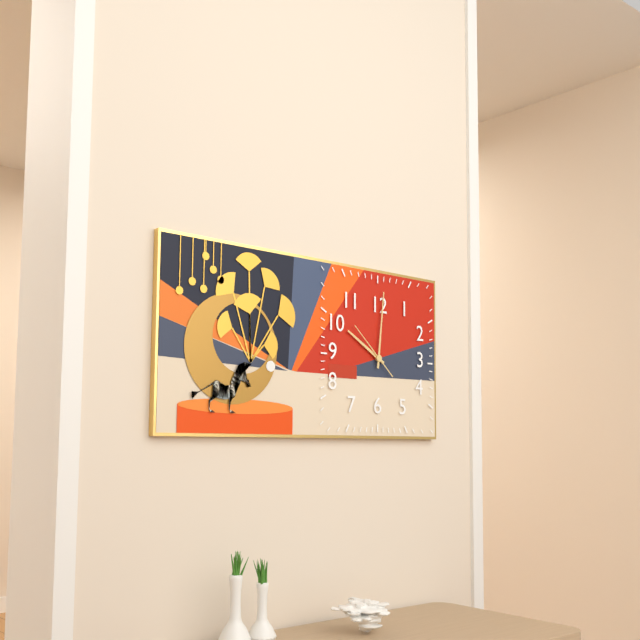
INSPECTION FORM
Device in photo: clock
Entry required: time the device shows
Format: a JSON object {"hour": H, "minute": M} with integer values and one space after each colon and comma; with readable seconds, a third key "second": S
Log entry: {"hour": 10, "minute": 1, "second": 52}
